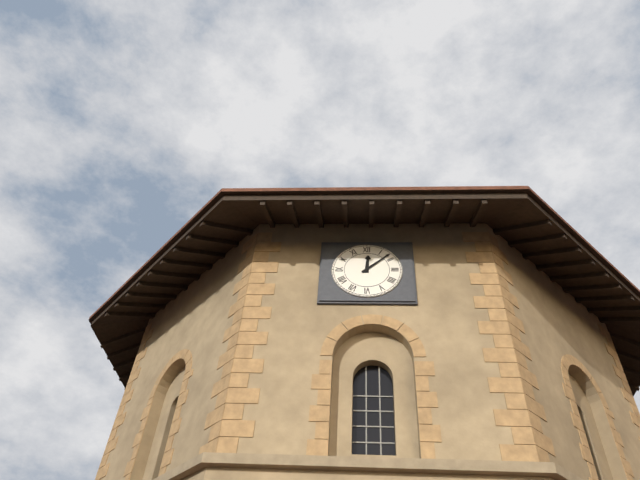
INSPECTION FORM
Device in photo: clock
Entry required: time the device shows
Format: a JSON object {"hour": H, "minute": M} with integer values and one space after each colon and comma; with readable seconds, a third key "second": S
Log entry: {"hour": 12, "minute": 8}
